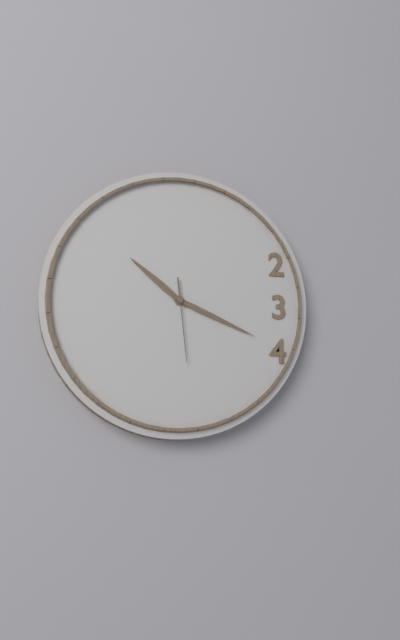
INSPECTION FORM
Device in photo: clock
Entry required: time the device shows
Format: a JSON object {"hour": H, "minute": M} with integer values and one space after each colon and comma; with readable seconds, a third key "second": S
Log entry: {"hour": 10, "minute": 19, "second": 29}
